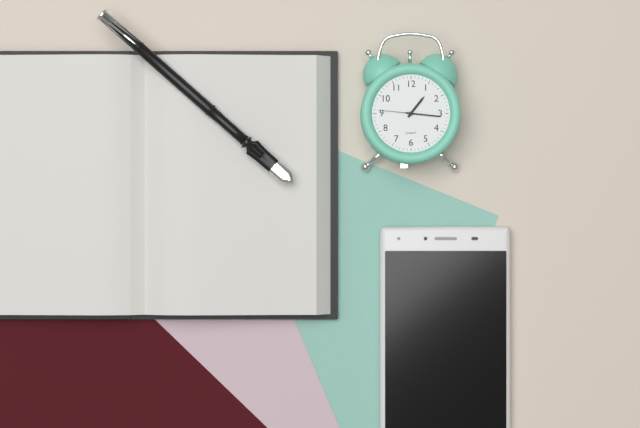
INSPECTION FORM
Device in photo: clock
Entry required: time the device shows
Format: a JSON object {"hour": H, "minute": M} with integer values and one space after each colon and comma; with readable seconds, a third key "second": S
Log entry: {"hour": 1, "minute": 16}
